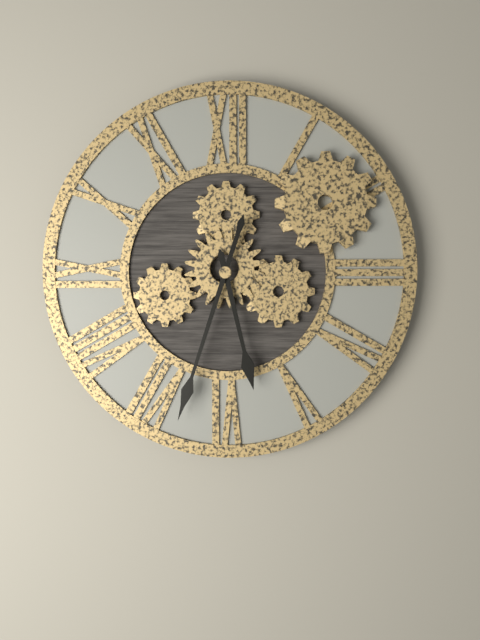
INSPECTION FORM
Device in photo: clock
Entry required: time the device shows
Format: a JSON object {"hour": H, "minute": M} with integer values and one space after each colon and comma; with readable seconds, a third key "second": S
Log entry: {"hour": 5, "minute": 33}
